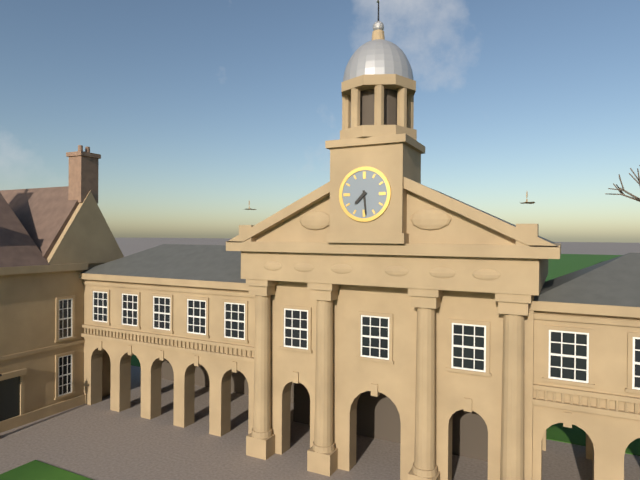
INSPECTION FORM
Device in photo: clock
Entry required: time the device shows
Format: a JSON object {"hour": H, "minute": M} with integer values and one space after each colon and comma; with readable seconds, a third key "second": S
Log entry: {"hour": 7, "minute": 29}
